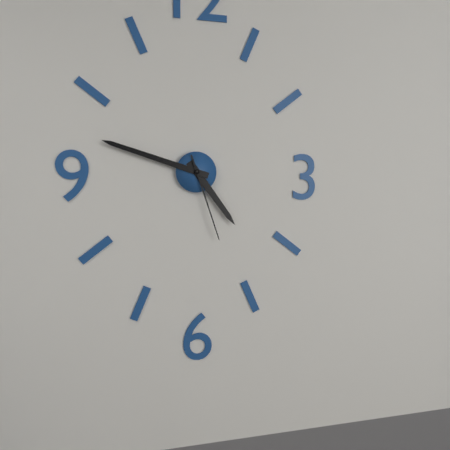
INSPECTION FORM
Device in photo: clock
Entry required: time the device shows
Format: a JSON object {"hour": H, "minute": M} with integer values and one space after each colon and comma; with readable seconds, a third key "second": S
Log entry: {"hour": 4, "minute": 48, "second": 27}
